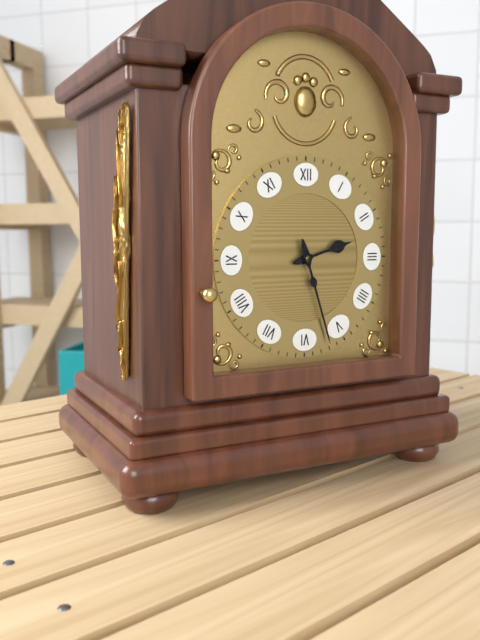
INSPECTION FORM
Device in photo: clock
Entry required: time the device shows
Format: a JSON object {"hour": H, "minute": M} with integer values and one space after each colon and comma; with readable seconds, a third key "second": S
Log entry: {"hour": 2, "minute": 27}
